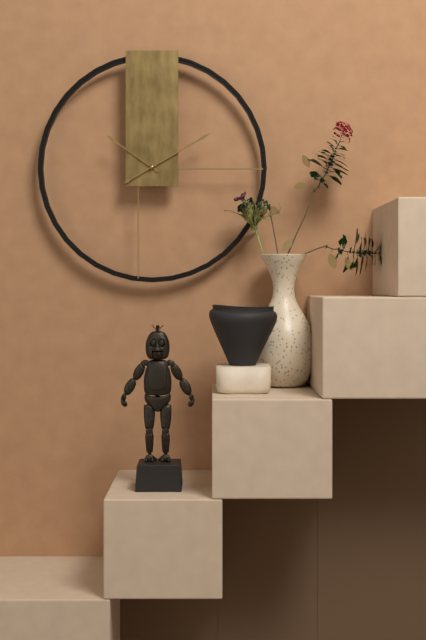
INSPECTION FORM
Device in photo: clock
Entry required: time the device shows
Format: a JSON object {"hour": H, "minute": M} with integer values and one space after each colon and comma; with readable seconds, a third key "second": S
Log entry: {"hour": 10, "minute": 10}
